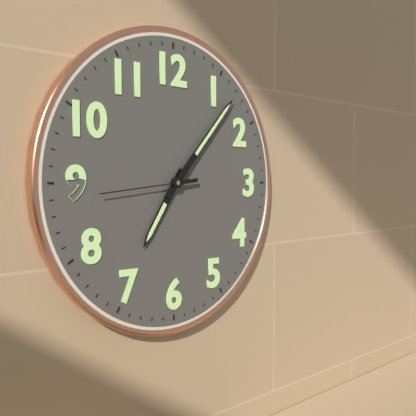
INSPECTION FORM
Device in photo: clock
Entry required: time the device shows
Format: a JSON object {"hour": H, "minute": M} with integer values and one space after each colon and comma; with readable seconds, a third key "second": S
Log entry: {"hour": 7, "minute": 7, "second": 44}
